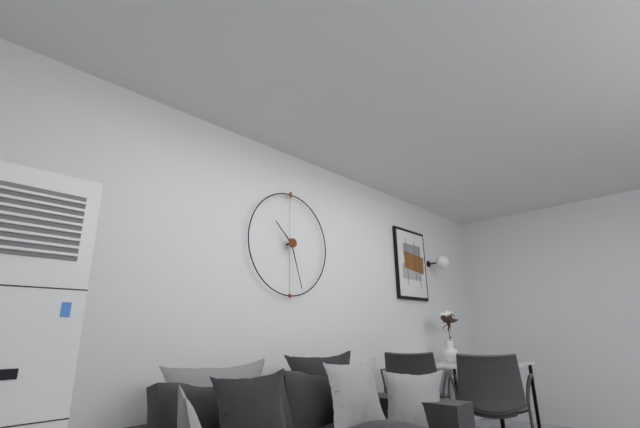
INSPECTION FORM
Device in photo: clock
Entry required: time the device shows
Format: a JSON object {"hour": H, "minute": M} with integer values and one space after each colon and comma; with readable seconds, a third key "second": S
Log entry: {"hour": 10, "minute": 27}
